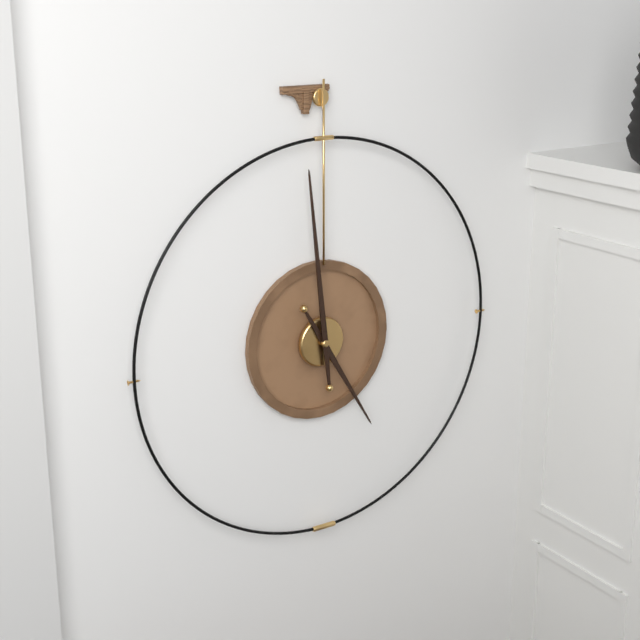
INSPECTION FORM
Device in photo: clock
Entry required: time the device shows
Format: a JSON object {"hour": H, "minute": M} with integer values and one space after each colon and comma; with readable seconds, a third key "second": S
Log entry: {"hour": 4, "minute": 59}
